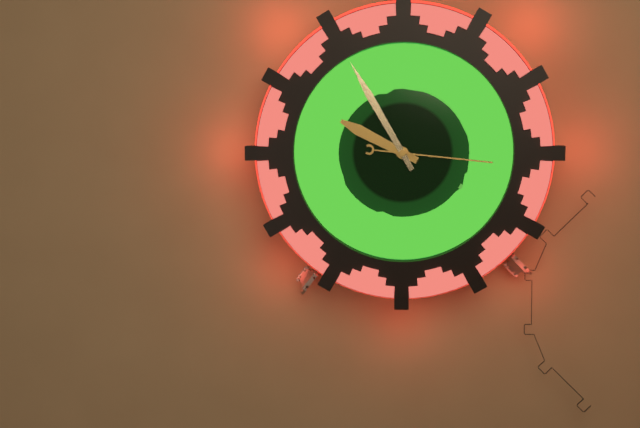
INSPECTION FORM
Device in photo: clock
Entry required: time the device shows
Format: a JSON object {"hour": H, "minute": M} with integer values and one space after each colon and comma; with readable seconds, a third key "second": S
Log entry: {"hour": 9, "minute": 55, "second": 16}
